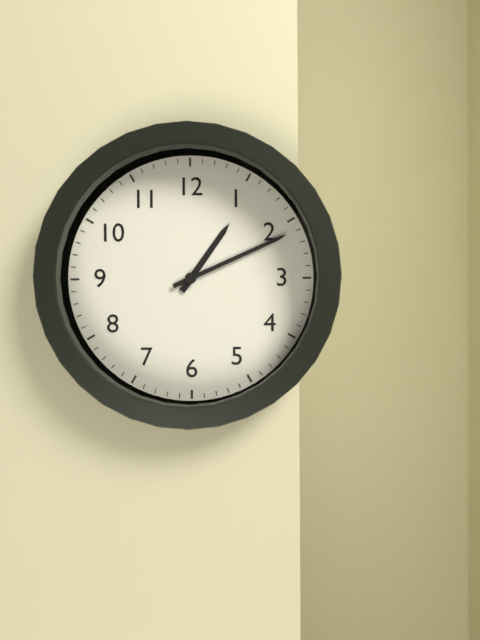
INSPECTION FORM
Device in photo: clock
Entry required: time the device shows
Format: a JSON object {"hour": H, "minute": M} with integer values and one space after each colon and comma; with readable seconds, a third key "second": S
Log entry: {"hour": 1, "minute": 11}
